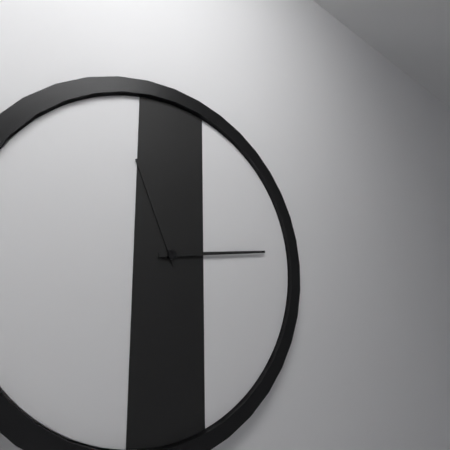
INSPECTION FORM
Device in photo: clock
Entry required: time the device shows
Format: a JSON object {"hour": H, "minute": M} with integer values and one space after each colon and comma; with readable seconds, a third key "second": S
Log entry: {"hour": 11, "minute": 14}
